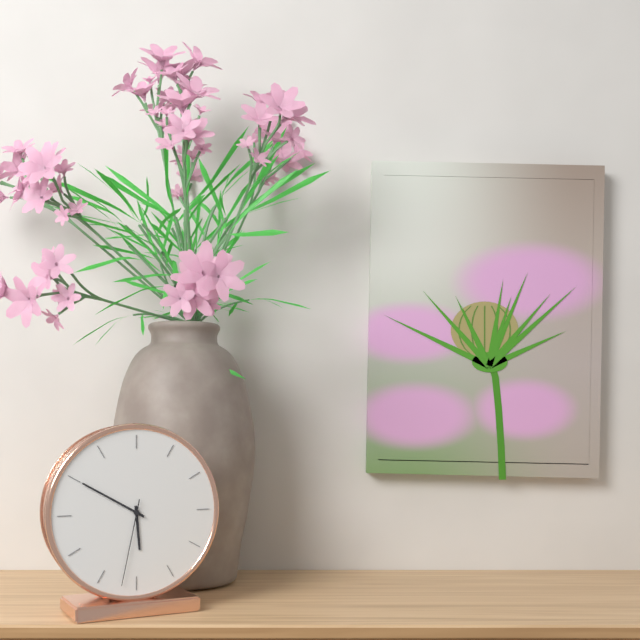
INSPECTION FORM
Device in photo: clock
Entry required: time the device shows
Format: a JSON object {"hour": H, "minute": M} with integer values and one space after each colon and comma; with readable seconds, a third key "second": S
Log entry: {"hour": 5, "minute": 50, "second": 32}
